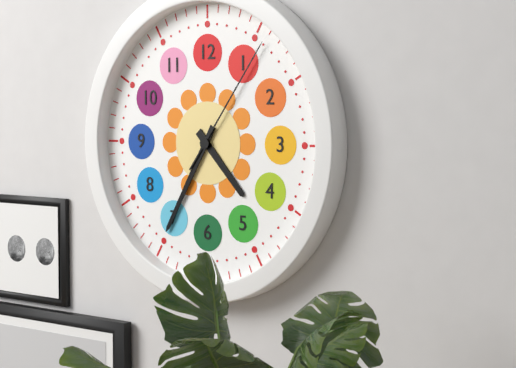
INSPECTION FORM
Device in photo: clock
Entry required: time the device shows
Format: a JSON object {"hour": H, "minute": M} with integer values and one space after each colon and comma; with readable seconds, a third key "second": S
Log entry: {"hour": 4, "minute": 35, "second": 6}
